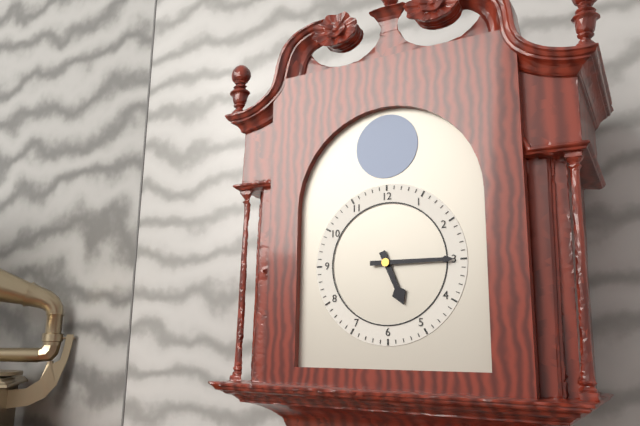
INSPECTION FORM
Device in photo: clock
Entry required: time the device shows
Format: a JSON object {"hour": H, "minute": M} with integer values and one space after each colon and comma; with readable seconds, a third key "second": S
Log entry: {"hour": 5, "minute": 15}
